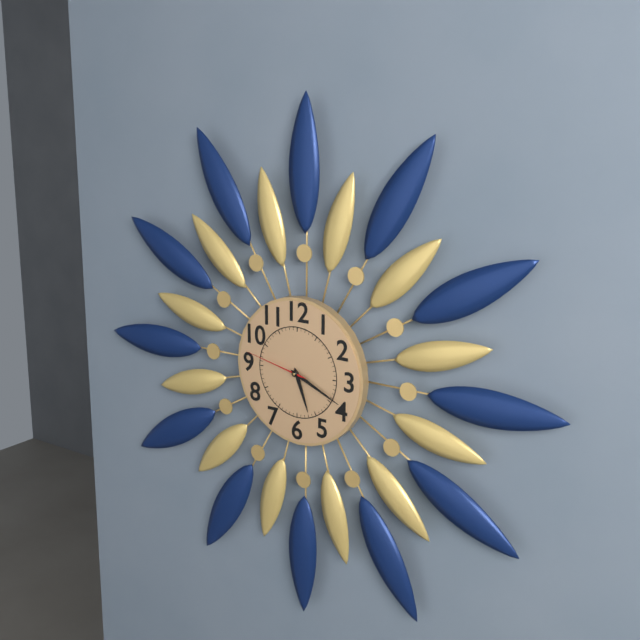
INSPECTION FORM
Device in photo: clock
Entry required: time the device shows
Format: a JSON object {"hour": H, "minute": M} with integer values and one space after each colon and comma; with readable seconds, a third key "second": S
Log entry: {"hour": 5, "minute": 19, "second": 47}
